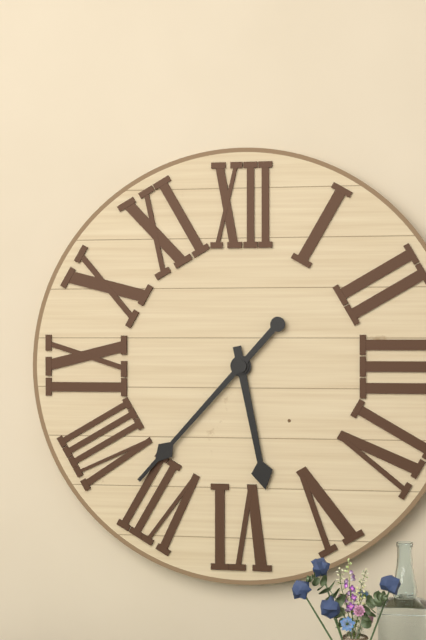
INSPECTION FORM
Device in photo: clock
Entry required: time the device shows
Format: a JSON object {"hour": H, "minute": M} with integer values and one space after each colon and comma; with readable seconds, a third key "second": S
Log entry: {"hour": 5, "minute": 37}
